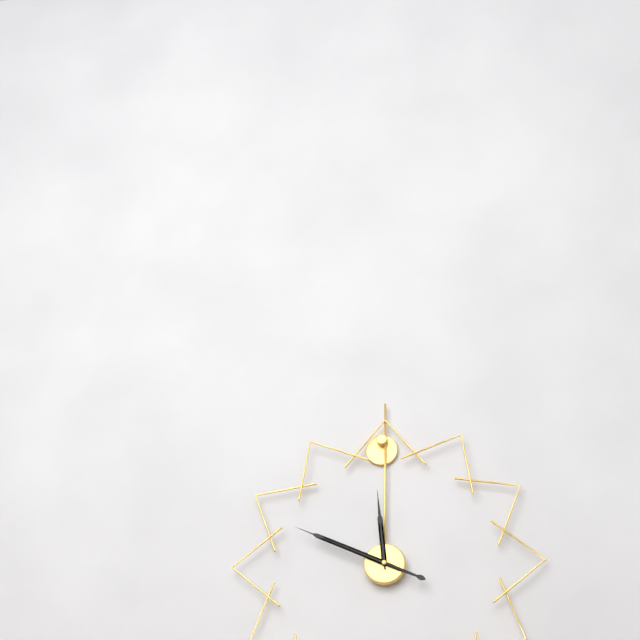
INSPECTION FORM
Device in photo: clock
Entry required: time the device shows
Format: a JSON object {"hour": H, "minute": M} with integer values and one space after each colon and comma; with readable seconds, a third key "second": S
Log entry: {"hour": 11, "minute": 49}
